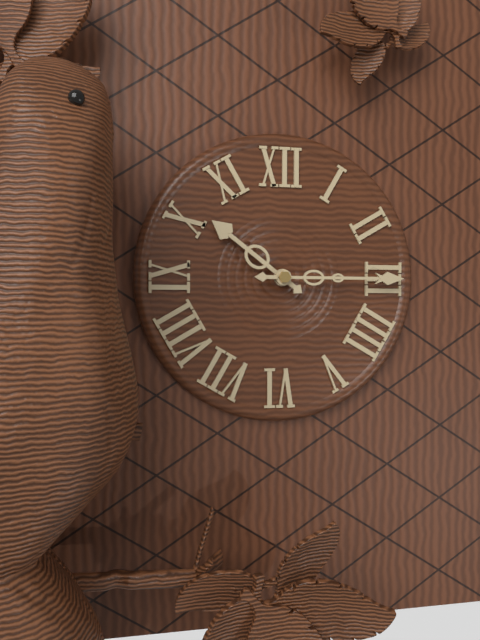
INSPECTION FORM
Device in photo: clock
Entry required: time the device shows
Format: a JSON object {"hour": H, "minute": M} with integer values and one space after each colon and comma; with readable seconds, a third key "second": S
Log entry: {"hour": 10, "minute": 15}
